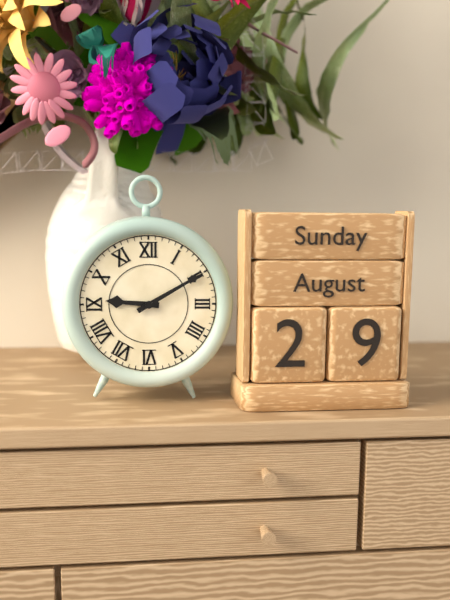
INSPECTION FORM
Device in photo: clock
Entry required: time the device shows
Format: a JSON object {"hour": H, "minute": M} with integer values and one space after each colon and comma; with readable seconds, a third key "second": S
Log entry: {"hour": 9, "minute": 10}
